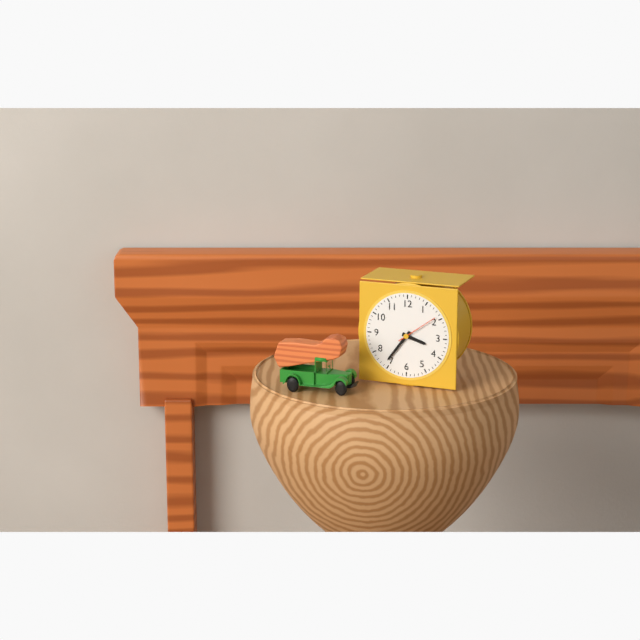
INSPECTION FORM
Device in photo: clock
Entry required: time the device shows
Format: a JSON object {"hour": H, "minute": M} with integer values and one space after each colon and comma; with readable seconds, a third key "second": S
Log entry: {"hour": 3, "minute": 36}
